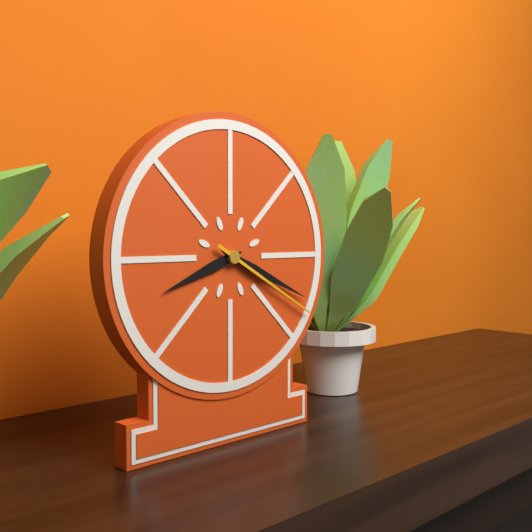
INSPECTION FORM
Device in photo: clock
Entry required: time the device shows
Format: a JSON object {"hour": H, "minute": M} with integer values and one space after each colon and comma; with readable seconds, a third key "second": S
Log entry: {"hour": 8, "minute": 19, "second": 20}
